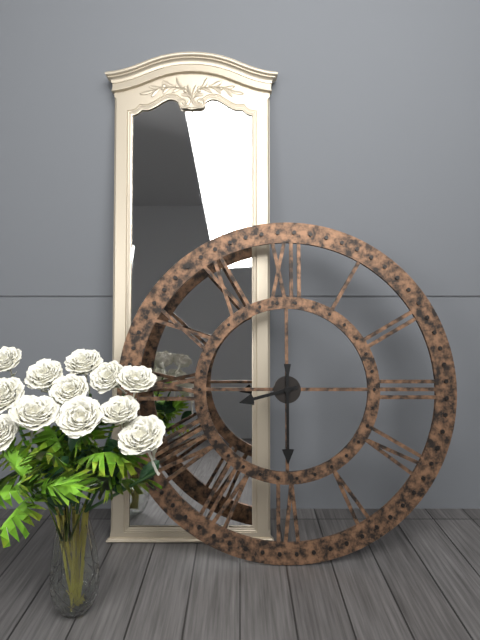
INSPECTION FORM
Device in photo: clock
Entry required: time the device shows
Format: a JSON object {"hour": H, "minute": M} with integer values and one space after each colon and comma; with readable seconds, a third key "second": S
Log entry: {"hour": 8, "minute": 30}
